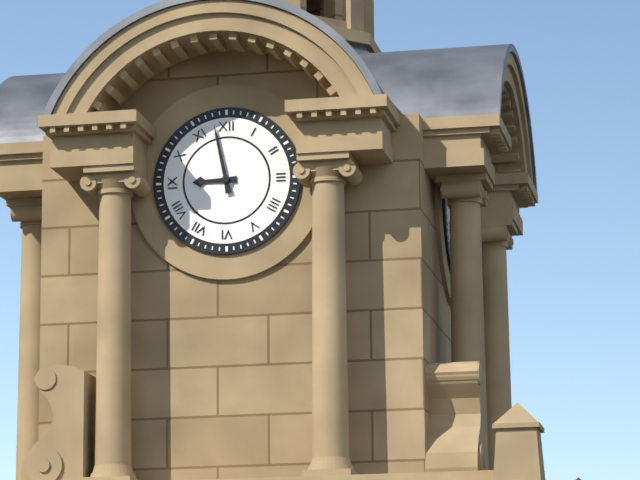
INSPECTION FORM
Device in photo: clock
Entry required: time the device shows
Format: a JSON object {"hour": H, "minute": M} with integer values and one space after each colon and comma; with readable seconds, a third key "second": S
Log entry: {"hour": 8, "minute": 58}
